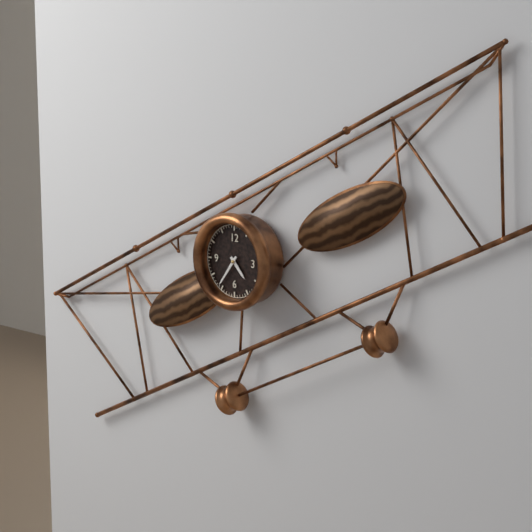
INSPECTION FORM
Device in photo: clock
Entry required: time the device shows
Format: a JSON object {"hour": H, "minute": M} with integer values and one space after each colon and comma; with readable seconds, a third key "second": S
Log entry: {"hour": 4, "minute": 36}
